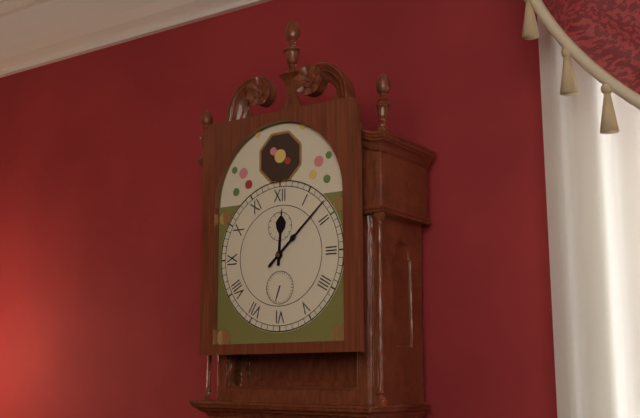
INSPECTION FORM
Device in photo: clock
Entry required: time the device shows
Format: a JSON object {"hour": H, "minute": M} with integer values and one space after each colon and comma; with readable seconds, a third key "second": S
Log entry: {"hour": 12, "minute": 8}
